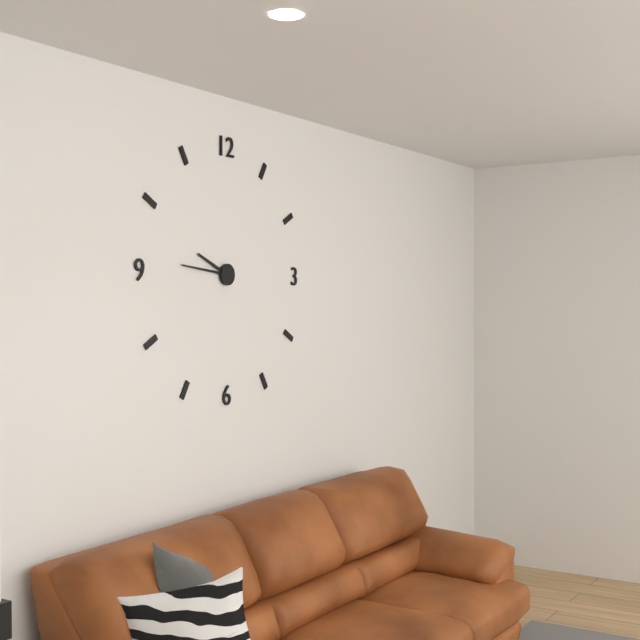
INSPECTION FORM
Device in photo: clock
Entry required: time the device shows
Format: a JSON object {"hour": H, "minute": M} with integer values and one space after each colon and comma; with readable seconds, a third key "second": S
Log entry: {"hour": 9, "minute": 46}
